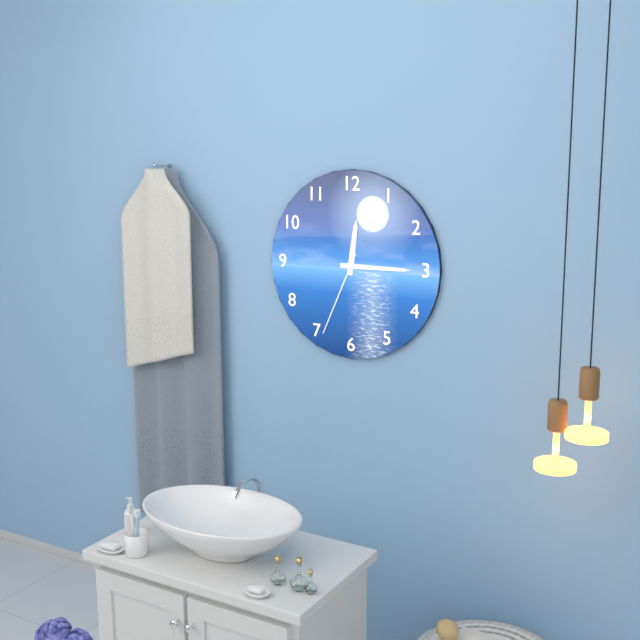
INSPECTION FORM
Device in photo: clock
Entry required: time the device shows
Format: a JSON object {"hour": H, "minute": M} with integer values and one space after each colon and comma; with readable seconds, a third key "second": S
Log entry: {"hour": 12, "minute": 15, "second": 34}
